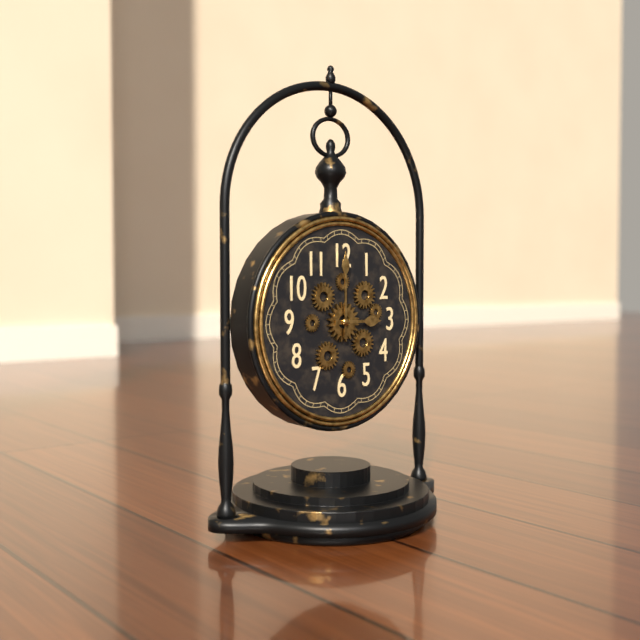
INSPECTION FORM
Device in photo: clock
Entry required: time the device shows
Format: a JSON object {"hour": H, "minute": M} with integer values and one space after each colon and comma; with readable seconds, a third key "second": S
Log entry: {"hour": 3, "minute": 0}
